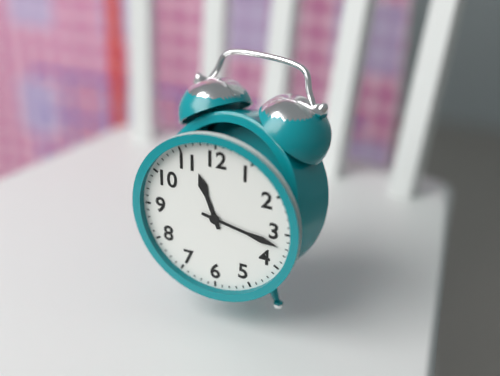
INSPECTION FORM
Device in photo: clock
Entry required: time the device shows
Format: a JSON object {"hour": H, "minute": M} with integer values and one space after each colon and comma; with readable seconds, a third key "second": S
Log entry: {"hour": 11, "minute": 17}
